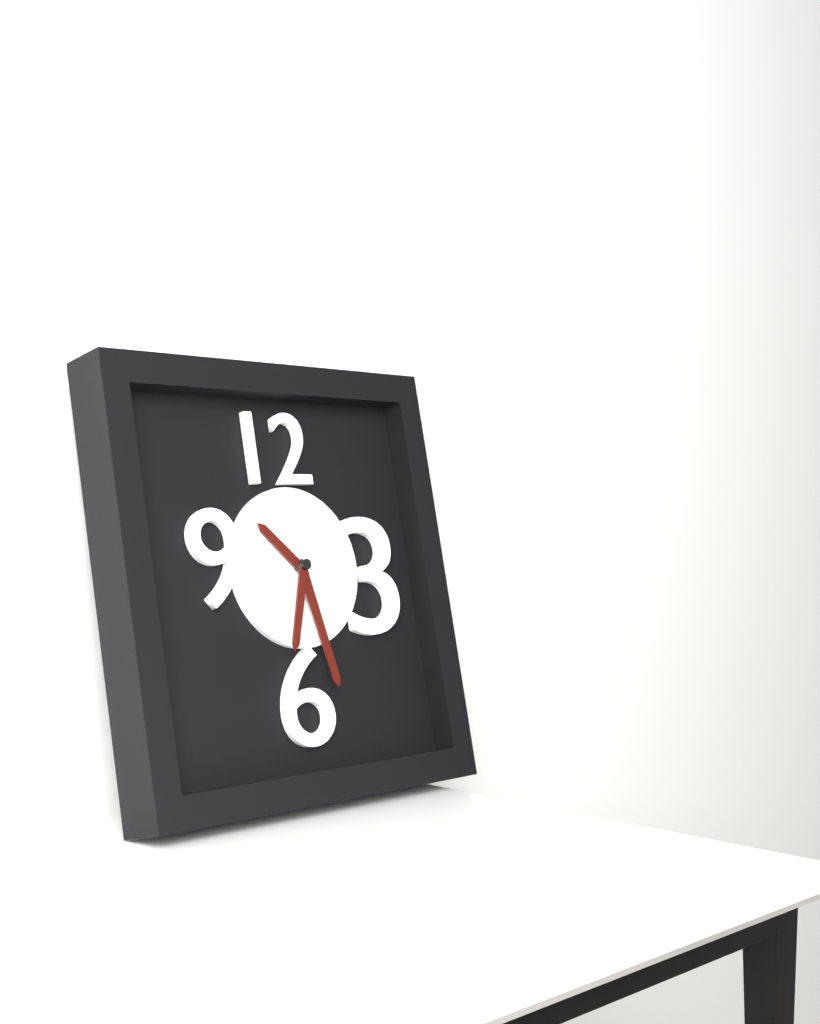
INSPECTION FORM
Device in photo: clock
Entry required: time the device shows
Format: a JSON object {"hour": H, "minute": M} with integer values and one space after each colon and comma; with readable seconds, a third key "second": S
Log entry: {"hour": 10, "minute": 28, "second": 33}
